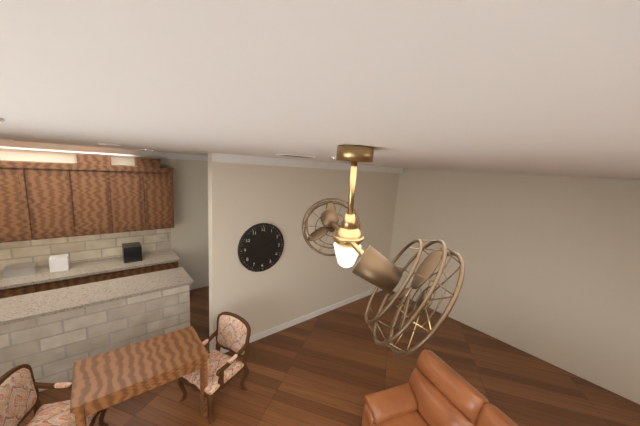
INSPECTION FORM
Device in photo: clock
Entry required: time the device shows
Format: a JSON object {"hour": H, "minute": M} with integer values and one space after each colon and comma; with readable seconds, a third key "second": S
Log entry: {"hour": 10, "minute": 10}
